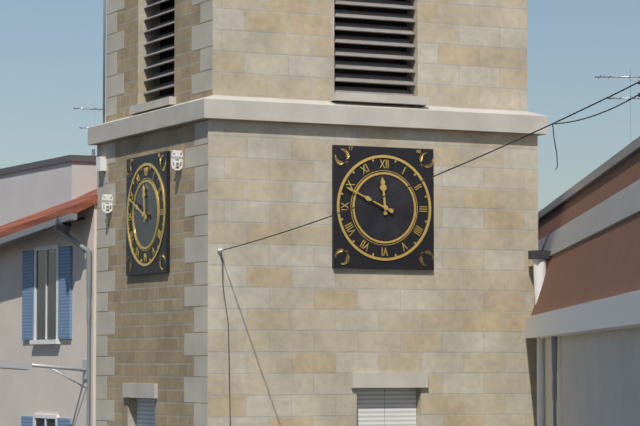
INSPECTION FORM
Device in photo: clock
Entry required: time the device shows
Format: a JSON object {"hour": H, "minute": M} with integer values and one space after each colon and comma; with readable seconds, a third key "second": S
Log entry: {"hour": 11, "minute": 49}
